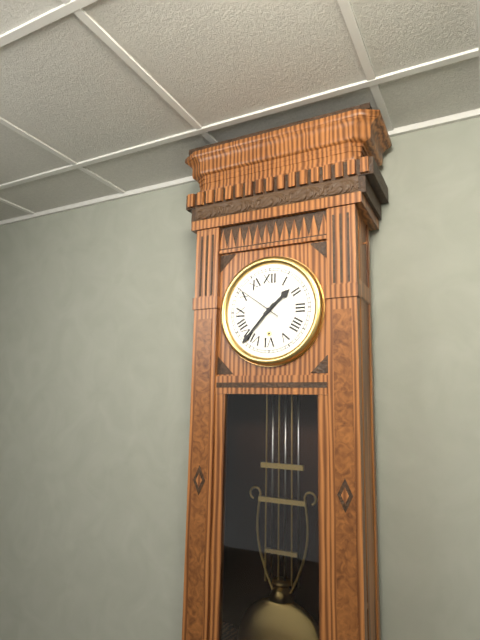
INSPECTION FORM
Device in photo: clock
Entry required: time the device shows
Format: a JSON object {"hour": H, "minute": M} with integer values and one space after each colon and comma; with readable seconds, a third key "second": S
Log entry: {"hour": 1, "minute": 37, "second": 51}
